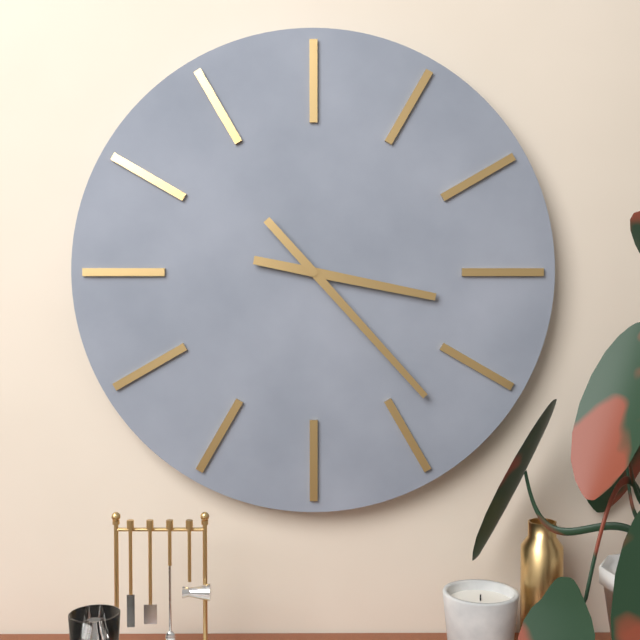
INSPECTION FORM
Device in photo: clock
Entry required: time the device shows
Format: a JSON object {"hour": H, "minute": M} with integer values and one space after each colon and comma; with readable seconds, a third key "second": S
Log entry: {"hour": 3, "minute": 23}
